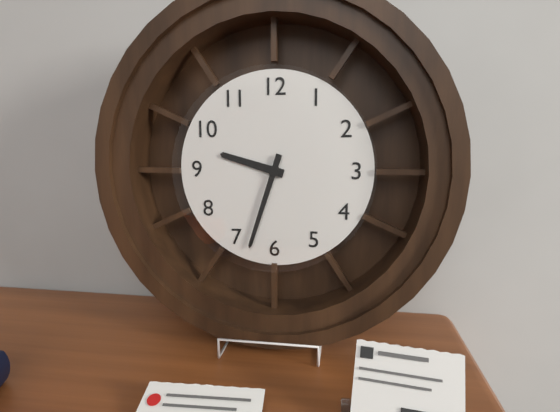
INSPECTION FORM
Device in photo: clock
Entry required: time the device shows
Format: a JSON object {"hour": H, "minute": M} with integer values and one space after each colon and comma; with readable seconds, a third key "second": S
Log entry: {"hour": 9, "minute": 33}
